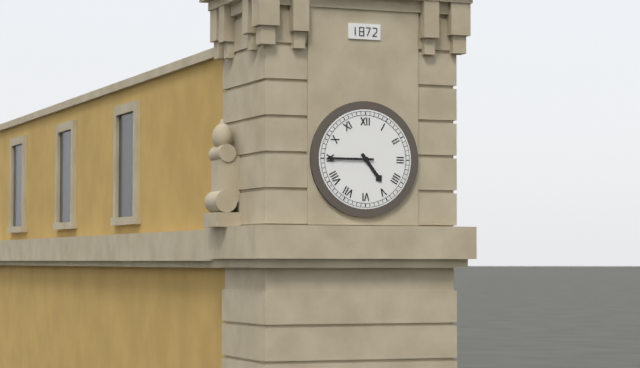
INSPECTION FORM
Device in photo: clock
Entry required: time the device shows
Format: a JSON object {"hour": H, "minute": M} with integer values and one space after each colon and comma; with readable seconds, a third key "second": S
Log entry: {"hour": 4, "minute": 45}
